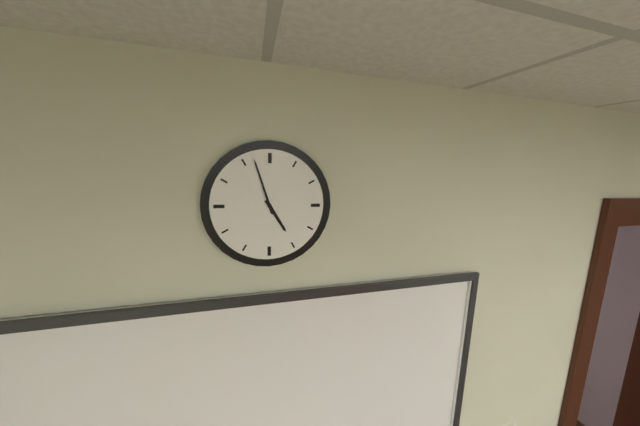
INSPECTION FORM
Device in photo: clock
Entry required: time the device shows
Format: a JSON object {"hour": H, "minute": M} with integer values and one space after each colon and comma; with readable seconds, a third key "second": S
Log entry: {"hour": 4, "minute": 57}
